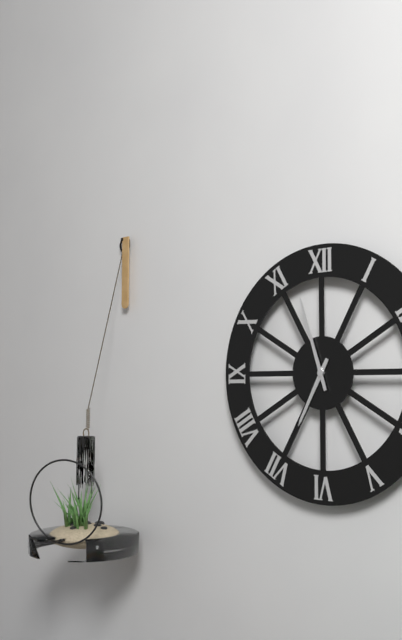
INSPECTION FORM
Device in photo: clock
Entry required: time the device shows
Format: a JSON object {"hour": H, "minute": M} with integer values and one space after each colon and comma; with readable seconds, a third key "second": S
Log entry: {"hour": 6, "minute": 57}
